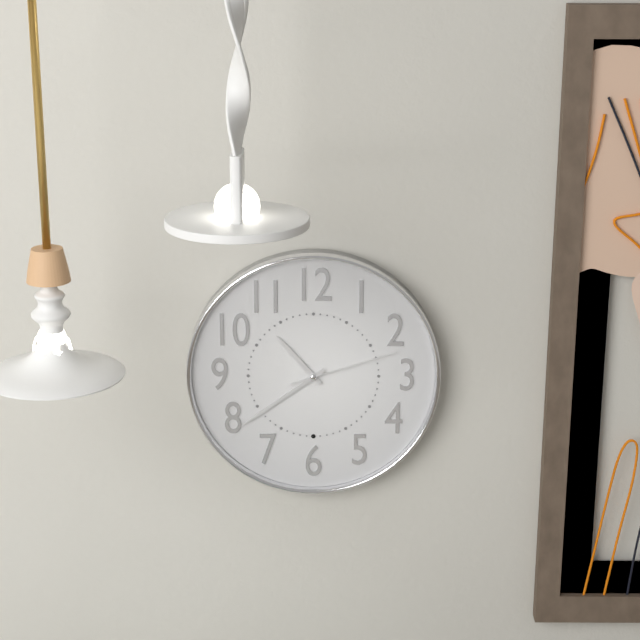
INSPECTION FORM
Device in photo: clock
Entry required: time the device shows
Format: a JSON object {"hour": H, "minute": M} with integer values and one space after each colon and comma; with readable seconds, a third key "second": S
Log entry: {"hour": 10, "minute": 39, "second": 12}
